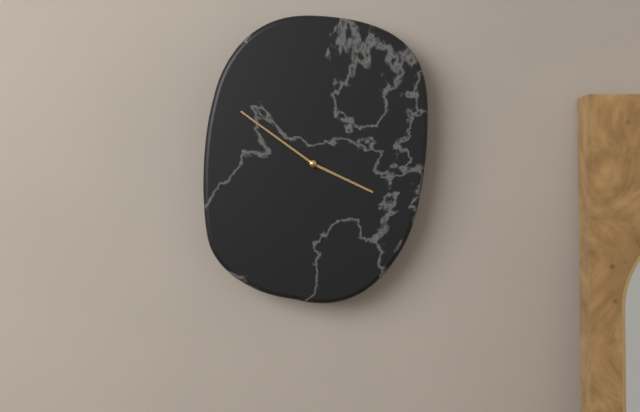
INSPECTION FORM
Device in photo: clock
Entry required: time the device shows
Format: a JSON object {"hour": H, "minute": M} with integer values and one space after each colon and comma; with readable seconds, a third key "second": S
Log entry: {"hour": 3, "minute": 51}
